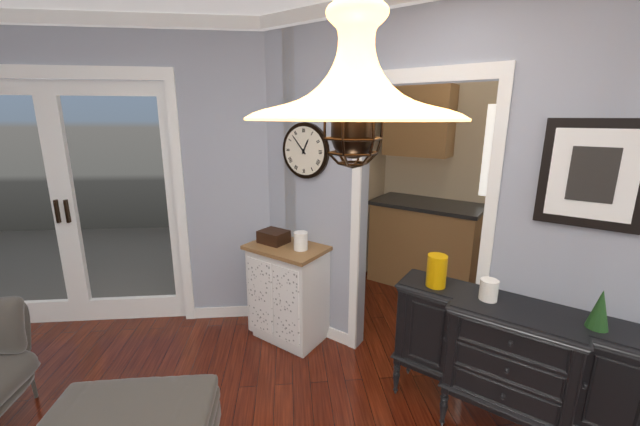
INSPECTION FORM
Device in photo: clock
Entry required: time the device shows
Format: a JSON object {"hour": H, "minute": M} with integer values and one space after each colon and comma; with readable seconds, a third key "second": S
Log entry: {"hour": 12, "minute": 53}
